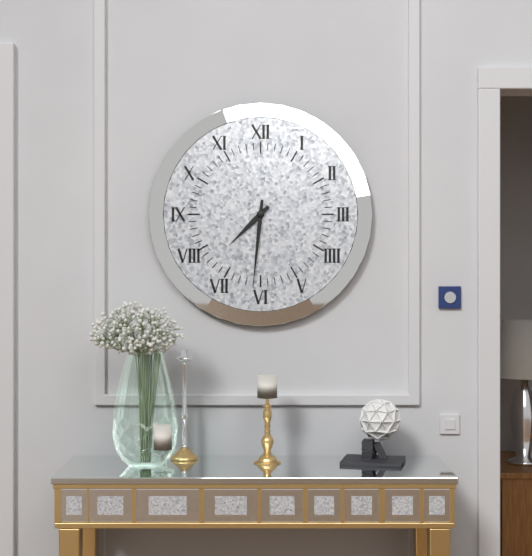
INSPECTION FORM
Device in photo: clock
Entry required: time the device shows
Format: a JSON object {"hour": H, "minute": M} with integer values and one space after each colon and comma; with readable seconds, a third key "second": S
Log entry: {"hour": 7, "minute": 31}
